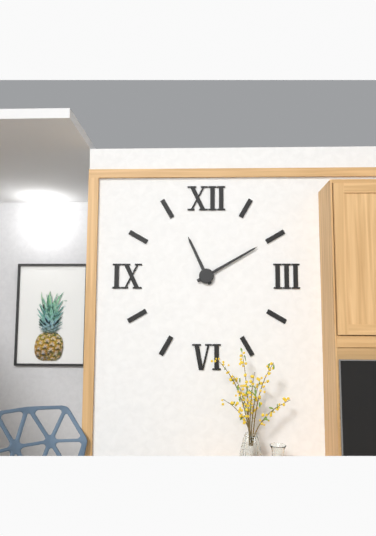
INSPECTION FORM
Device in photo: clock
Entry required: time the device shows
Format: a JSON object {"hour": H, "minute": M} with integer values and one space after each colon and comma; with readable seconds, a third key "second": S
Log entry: {"hour": 11, "minute": 10}
